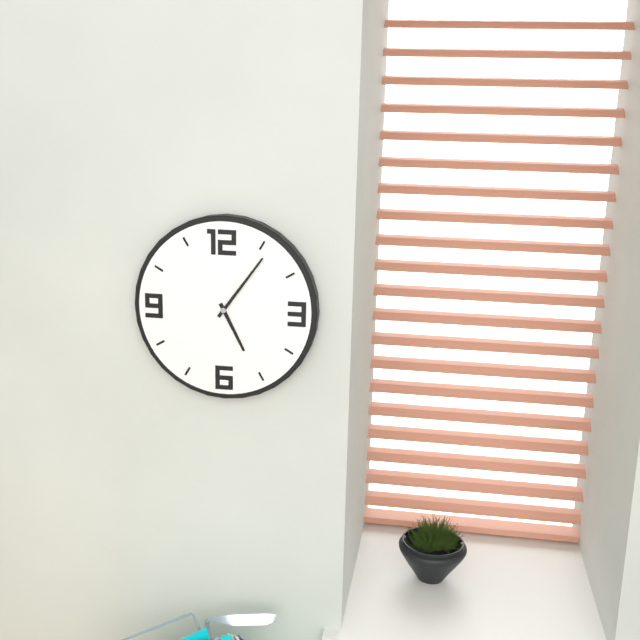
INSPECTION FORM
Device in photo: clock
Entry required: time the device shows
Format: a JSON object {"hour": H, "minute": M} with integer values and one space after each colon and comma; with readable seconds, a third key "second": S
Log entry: {"hour": 5, "minute": 6}
